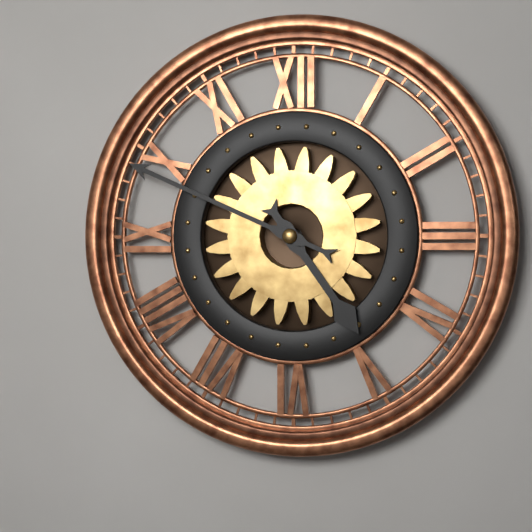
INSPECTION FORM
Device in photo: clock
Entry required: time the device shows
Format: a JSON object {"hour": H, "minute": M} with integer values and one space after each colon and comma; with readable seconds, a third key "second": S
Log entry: {"hour": 4, "minute": 49}
